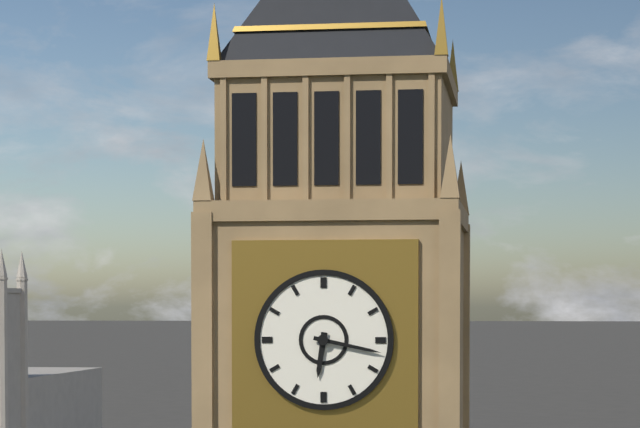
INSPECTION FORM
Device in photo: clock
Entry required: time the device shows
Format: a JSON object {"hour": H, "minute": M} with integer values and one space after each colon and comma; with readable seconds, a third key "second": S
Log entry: {"hour": 6, "minute": 17}
